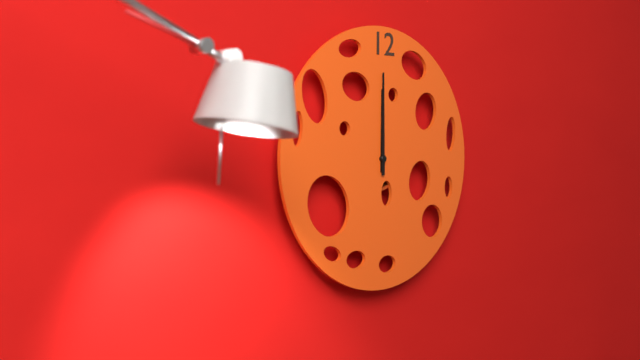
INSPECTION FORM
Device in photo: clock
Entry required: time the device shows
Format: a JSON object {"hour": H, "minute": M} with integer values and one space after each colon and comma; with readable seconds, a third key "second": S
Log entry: {"hour": 12, "minute": 0}
